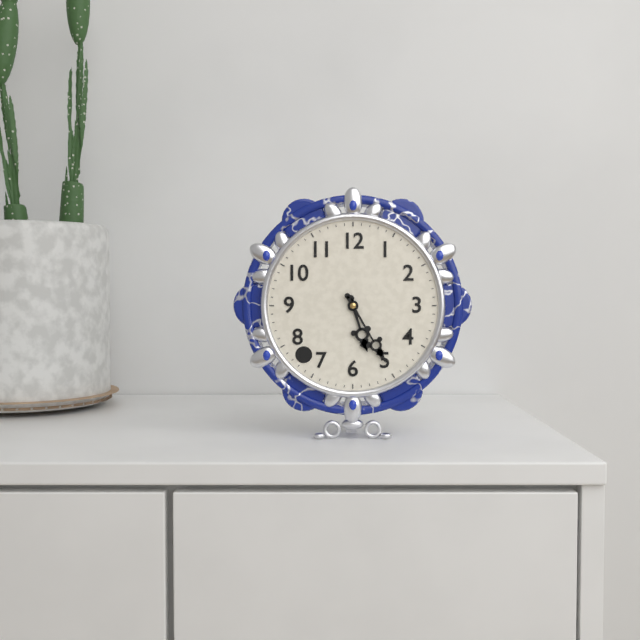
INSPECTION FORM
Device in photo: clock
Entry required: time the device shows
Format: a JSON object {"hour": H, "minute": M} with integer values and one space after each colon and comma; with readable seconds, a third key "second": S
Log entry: {"hour": 5, "minute": 25}
